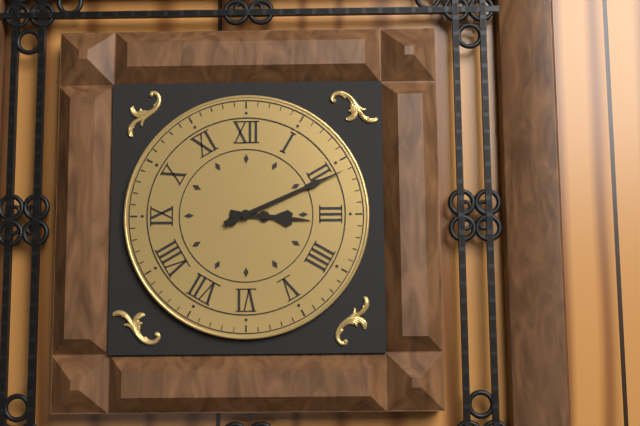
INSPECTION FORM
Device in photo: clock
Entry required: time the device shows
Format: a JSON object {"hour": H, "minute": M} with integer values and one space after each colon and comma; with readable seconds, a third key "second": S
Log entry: {"hour": 3, "minute": 11}
